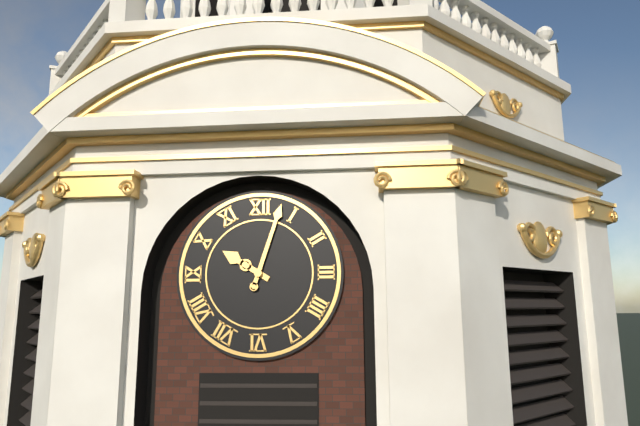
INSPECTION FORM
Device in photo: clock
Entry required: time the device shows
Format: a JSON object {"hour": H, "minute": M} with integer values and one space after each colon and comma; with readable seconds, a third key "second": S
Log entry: {"hour": 10, "minute": 3}
